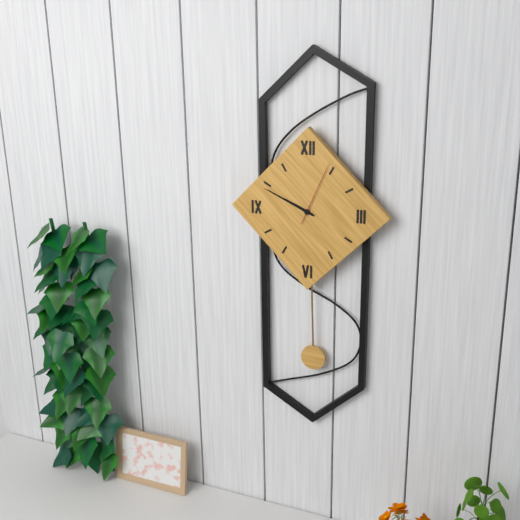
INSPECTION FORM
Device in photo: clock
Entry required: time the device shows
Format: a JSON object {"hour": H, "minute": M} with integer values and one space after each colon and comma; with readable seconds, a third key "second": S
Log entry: {"hour": 9, "minute": 49, "second": 4}
